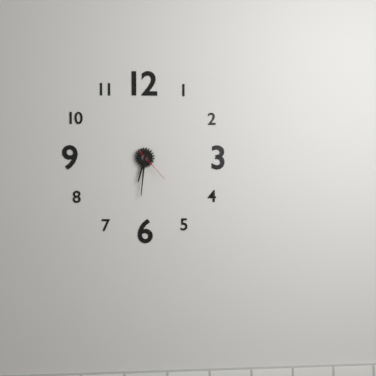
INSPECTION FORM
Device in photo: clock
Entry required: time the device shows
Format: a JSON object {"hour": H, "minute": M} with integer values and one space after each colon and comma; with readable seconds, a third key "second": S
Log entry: {"hour": 6, "minute": 31}
